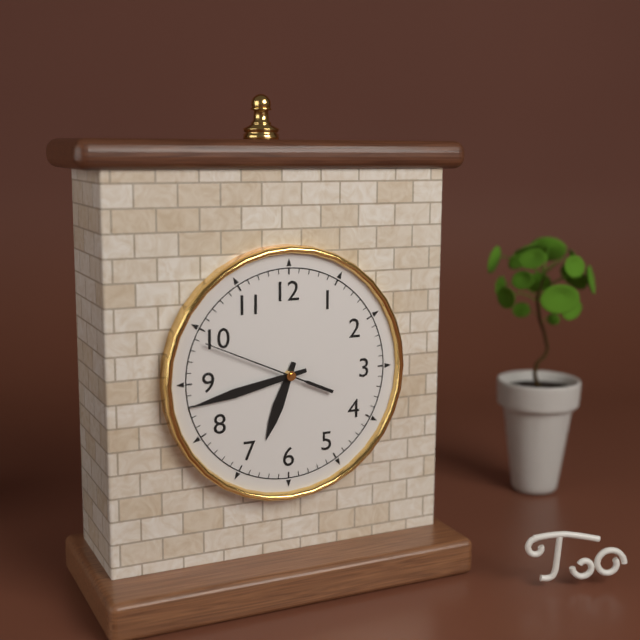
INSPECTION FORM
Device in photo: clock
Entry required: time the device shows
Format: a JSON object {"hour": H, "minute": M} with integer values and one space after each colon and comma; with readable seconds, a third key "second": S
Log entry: {"hour": 6, "minute": 43, "second": 49}
